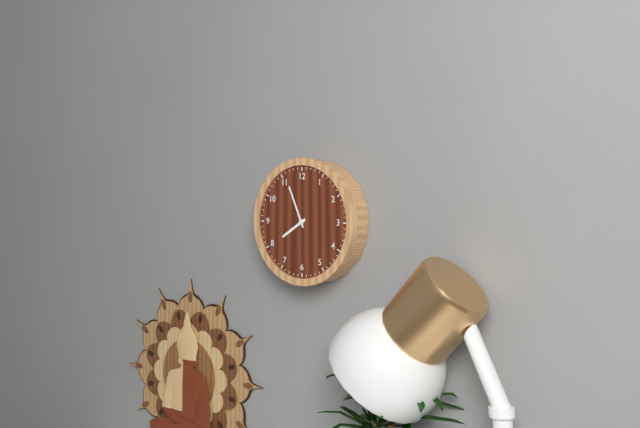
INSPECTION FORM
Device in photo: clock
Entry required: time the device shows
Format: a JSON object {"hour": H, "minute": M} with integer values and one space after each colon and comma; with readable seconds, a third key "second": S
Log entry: {"hour": 7, "minute": 56}
